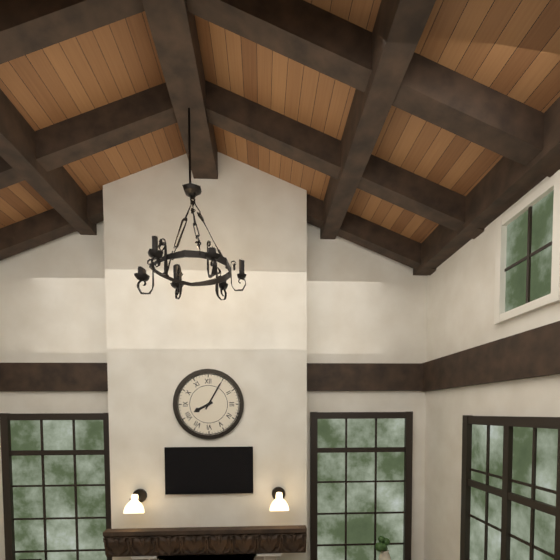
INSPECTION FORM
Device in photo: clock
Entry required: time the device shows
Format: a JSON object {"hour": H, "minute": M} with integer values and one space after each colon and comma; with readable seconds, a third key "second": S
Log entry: {"hour": 8, "minute": 5}
